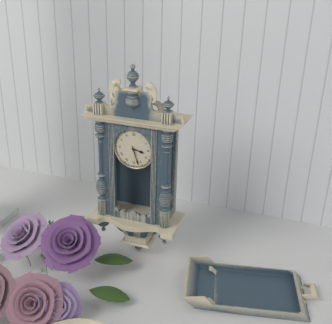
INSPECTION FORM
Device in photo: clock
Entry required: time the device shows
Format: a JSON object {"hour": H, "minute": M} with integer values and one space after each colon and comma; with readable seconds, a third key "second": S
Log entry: {"hour": 3, "minute": 27}
